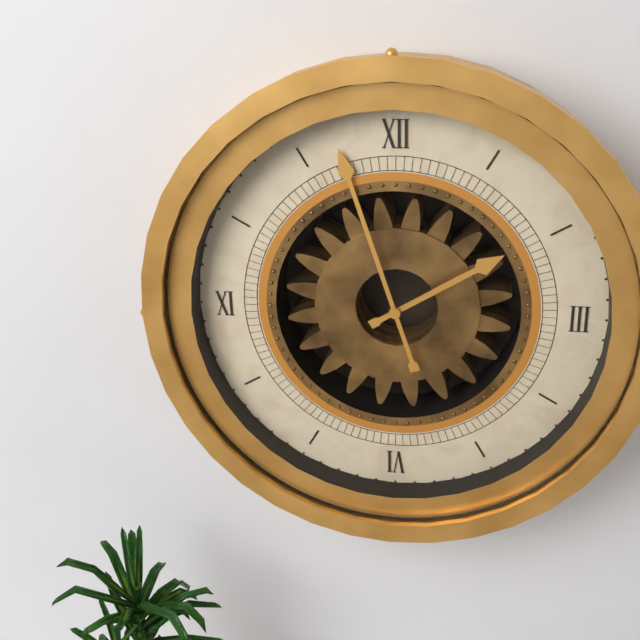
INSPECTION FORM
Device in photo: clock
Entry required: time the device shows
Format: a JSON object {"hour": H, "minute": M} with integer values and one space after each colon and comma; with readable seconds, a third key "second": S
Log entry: {"hour": 1, "minute": 57}
